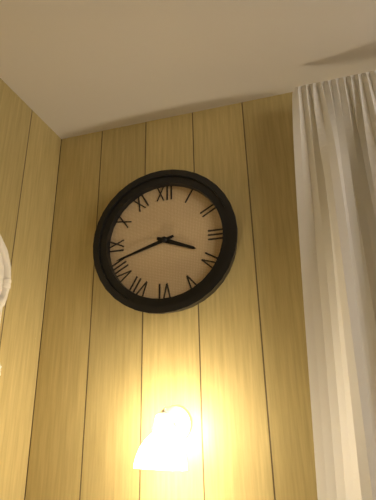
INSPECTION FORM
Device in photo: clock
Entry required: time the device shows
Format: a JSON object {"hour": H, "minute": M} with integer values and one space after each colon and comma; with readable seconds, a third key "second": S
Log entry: {"hour": 3, "minute": 42}
